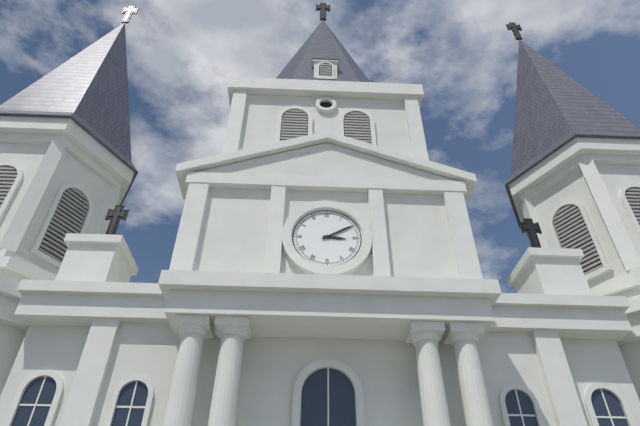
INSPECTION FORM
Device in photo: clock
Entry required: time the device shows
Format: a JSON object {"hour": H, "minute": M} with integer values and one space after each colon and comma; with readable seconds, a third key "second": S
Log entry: {"hour": 3, "minute": 10}
